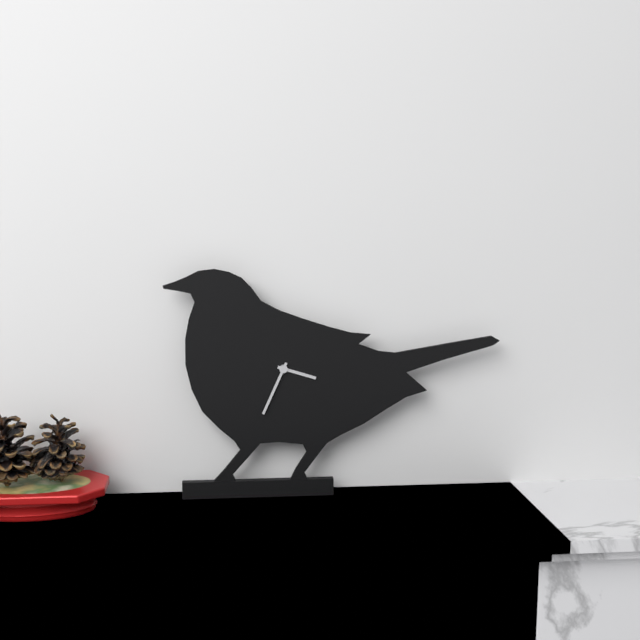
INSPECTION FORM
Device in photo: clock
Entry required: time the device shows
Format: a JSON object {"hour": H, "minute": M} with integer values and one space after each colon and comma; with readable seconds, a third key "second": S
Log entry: {"hour": 3, "minute": 34}
